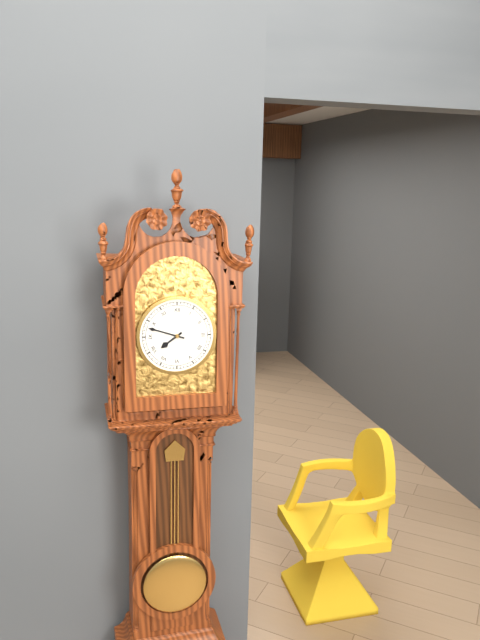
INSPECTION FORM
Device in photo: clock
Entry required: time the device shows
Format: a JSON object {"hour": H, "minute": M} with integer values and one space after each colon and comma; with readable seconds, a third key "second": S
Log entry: {"hour": 7, "minute": 48}
